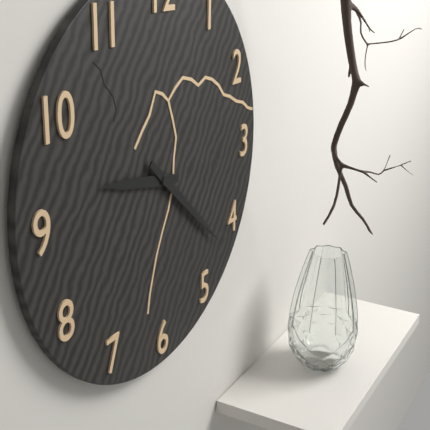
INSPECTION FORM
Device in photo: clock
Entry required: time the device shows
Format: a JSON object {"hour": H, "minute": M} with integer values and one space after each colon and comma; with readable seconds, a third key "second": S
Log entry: {"hour": 9, "minute": 22}
